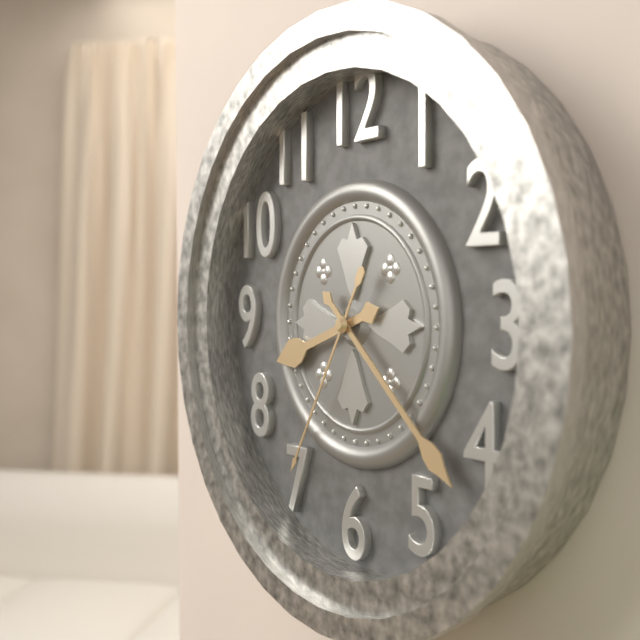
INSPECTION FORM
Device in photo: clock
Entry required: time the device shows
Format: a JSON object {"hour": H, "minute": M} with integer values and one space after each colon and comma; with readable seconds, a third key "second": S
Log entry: {"hour": 8, "minute": 22, "second": 35}
